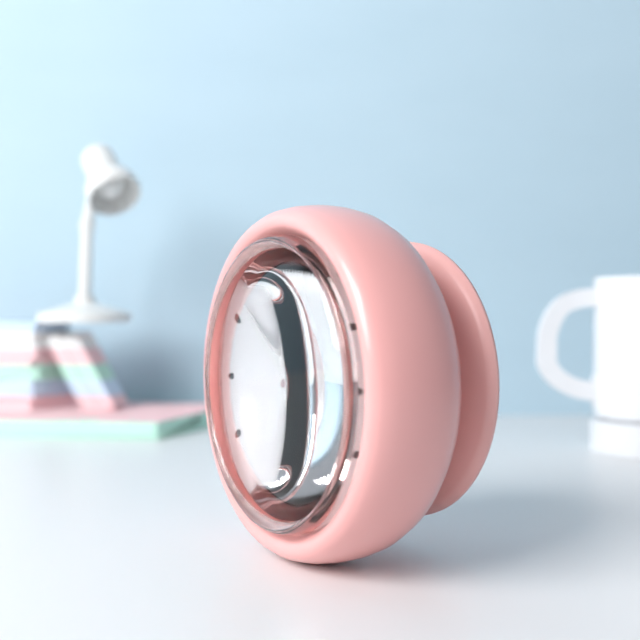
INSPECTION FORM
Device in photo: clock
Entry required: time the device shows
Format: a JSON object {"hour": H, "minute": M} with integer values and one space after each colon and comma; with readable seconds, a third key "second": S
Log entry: {"hour": 1, "minute": 52}
